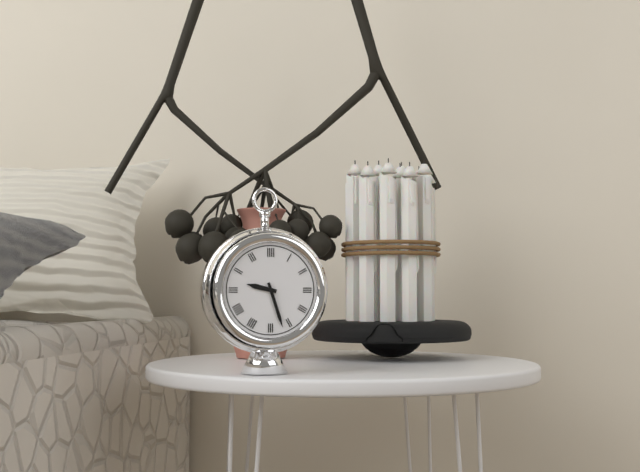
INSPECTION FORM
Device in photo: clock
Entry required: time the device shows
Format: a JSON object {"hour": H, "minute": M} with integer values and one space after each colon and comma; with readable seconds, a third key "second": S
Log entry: {"hour": 9, "minute": 27}
